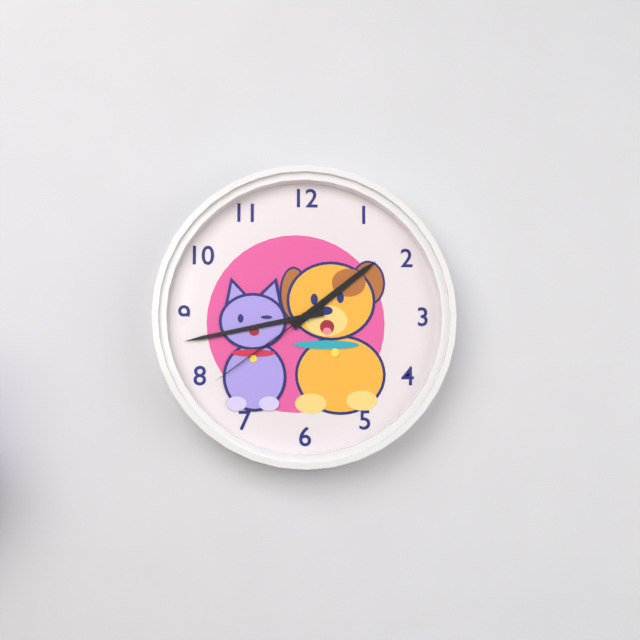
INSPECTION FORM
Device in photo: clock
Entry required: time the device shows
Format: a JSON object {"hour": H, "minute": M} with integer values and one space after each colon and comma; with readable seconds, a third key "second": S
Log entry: {"hour": 1, "minute": 43, "second": 39}
